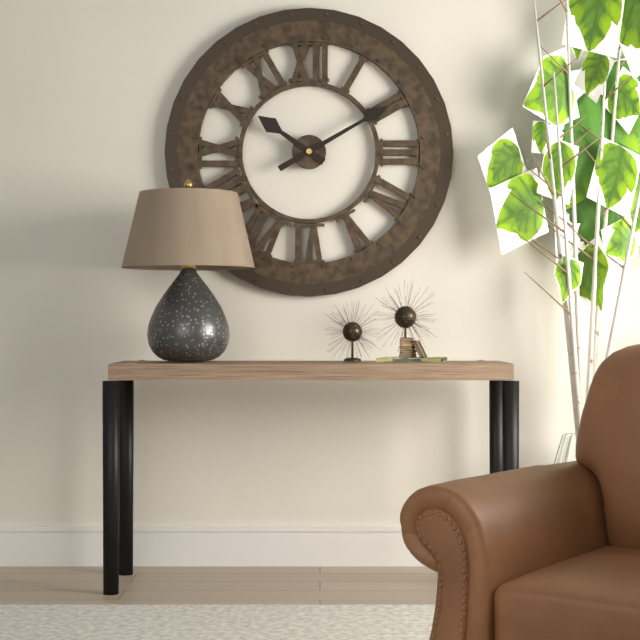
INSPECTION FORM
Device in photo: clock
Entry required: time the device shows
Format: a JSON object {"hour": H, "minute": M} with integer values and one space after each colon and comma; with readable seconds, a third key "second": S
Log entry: {"hour": 10, "minute": 10}
